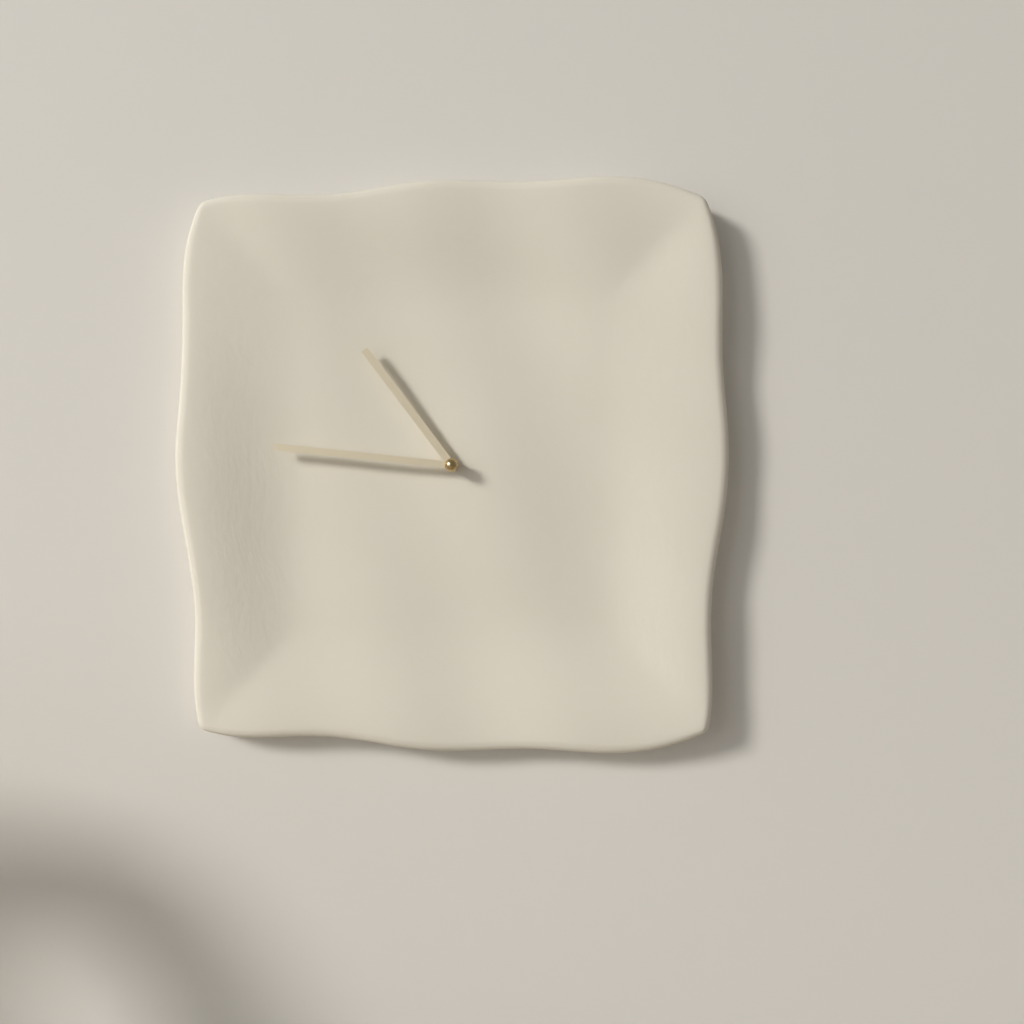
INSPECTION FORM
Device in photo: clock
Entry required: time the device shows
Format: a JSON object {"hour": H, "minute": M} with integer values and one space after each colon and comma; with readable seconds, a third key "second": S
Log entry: {"hour": 10, "minute": 46}
